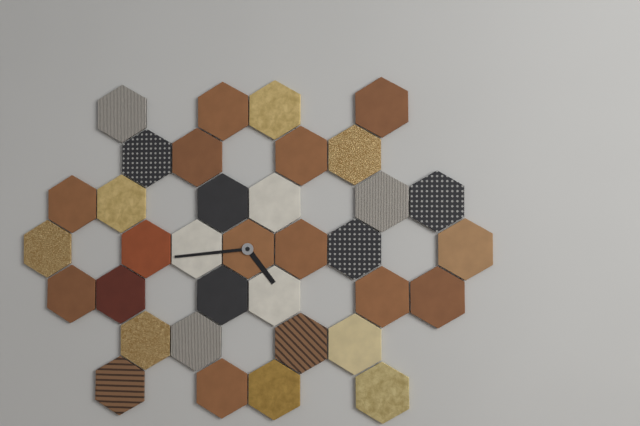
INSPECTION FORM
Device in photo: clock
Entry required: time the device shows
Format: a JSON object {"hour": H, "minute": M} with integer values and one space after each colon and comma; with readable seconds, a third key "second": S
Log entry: {"hour": 4, "minute": 44}
